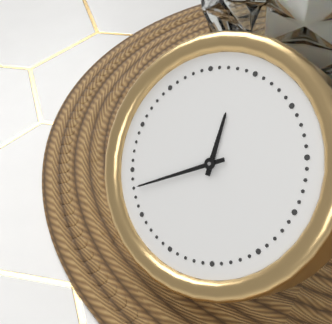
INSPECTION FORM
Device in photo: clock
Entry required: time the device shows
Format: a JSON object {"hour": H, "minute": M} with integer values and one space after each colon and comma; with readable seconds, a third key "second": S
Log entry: {"hour": 11, "minute": 38}
